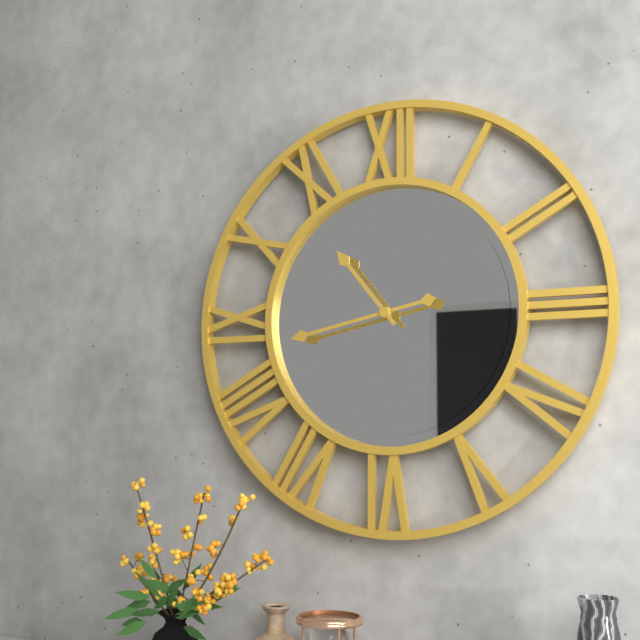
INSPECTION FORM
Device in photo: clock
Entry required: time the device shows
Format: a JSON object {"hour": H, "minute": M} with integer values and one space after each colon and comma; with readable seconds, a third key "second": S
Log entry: {"hour": 10, "minute": 43}
